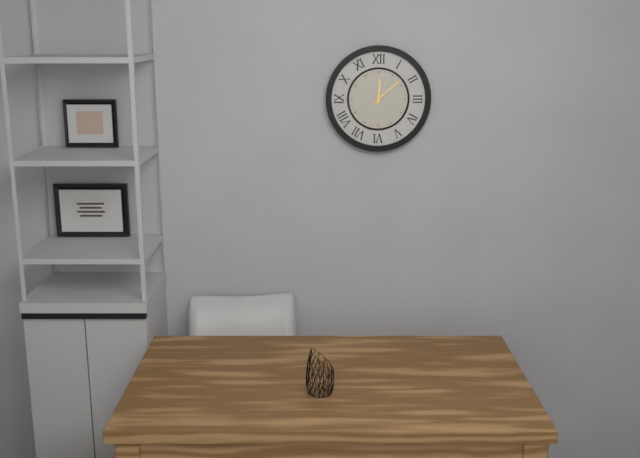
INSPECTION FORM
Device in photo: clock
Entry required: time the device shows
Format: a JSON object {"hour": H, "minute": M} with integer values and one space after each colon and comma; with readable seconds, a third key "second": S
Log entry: {"hour": 12, "minute": 8}
